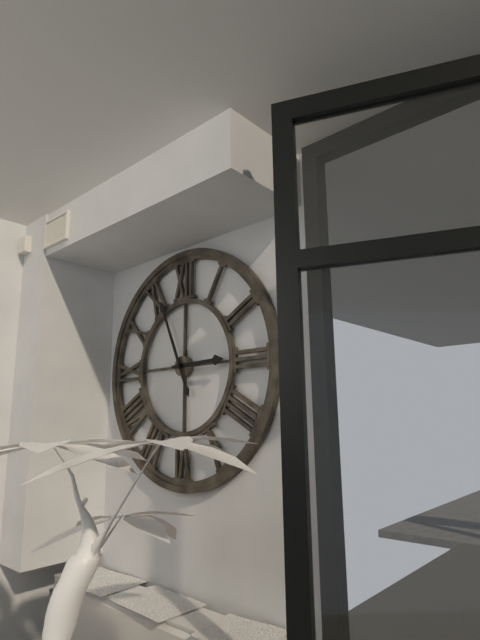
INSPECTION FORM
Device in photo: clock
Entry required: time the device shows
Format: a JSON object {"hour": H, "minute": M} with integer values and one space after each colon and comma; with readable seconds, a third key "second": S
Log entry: {"hour": 2, "minute": 56}
